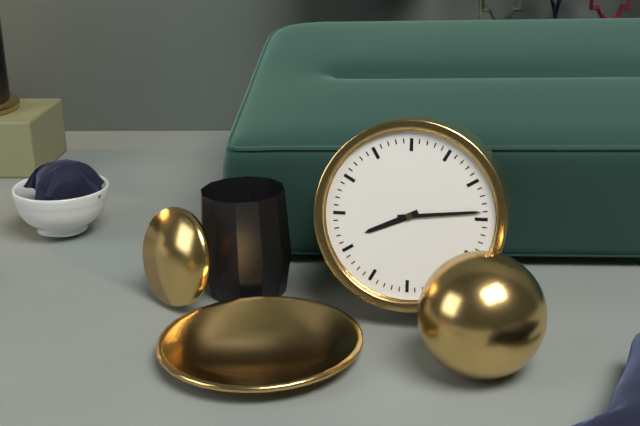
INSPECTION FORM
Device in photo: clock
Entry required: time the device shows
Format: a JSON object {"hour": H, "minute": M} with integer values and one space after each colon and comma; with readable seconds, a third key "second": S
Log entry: {"hour": 8, "minute": 14}
